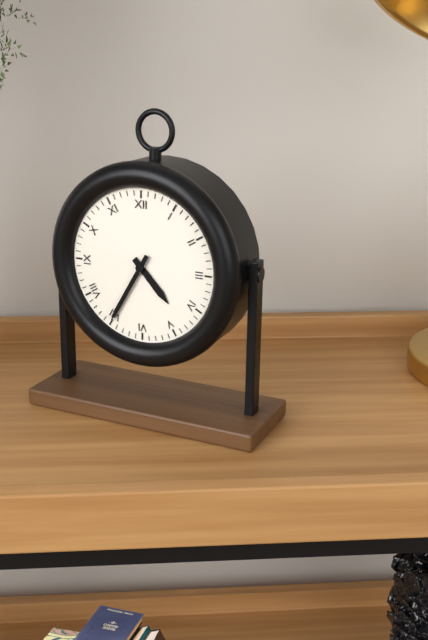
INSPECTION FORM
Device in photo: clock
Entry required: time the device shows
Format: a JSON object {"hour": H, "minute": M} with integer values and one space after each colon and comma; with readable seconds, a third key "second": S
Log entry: {"hour": 4, "minute": 35}
